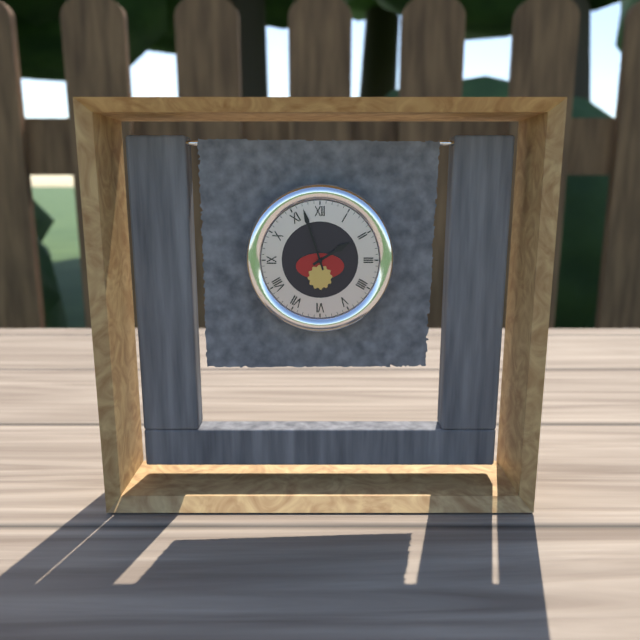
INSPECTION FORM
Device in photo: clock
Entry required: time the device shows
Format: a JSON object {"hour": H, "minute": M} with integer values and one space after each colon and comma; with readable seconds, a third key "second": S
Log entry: {"hour": 1, "minute": 57}
